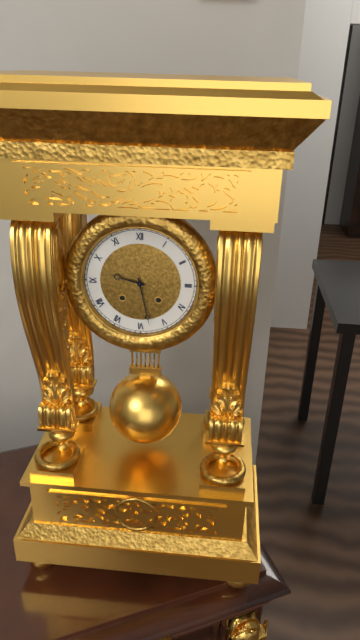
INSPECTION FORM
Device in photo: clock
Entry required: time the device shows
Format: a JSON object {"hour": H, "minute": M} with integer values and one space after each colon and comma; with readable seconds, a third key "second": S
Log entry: {"hour": 9, "minute": 28}
